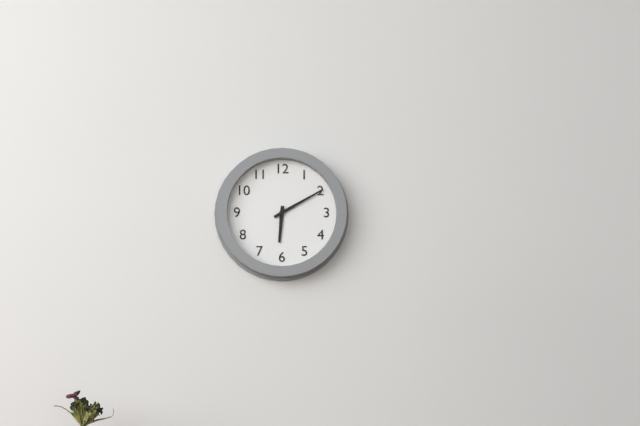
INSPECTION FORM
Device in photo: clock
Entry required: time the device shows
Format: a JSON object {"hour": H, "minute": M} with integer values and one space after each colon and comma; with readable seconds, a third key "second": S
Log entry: {"hour": 6, "minute": 10}
